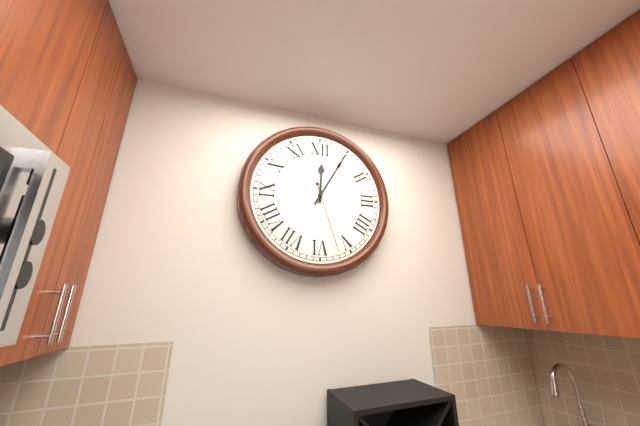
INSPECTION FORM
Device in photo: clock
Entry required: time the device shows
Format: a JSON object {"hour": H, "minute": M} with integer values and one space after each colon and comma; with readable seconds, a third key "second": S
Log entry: {"hour": 12, "minute": 5, "second": 27}
